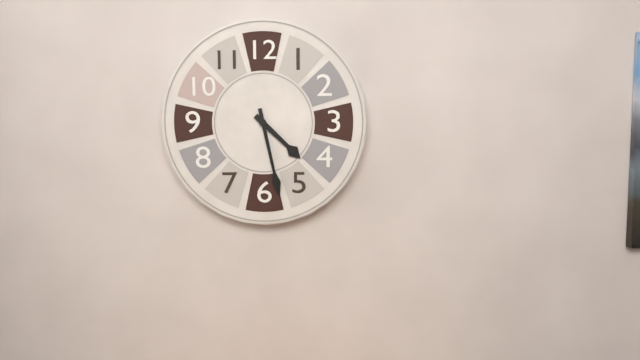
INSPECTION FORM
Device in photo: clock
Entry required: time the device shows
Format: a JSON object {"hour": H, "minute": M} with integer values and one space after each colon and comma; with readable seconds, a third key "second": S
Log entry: {"hour": 4, "minute": 28}
